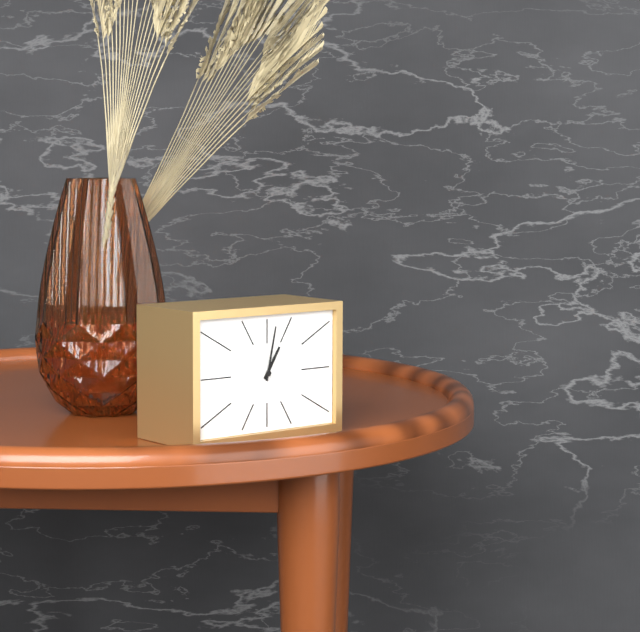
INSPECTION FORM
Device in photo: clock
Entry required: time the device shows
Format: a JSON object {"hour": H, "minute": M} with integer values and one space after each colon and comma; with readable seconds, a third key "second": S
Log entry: {"hour": 1, "minute": 2}
